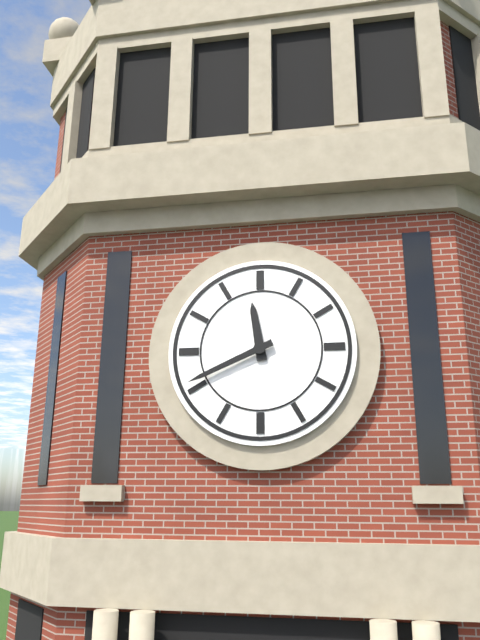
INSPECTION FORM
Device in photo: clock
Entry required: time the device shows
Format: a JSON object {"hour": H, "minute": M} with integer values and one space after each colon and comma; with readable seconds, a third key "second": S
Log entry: {"hour": 11, "minute": 41}
